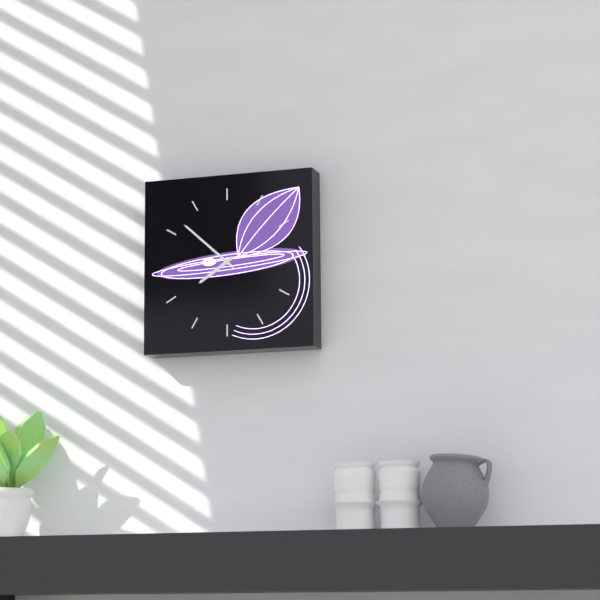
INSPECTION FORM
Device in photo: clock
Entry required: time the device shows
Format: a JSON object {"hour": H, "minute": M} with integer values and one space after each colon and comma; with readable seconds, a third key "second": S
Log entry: {"hour": 7, "minute": 52}
